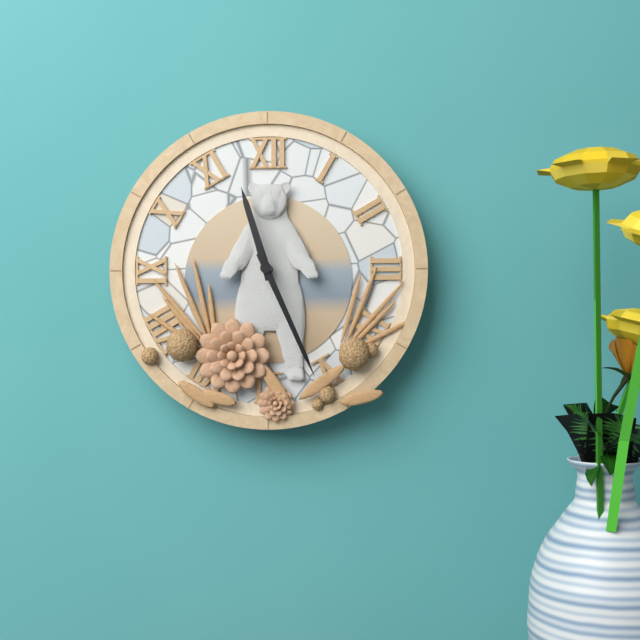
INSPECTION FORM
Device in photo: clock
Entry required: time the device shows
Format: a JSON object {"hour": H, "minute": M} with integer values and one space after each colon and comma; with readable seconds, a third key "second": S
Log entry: {"hour": 11, "minute": 26}
